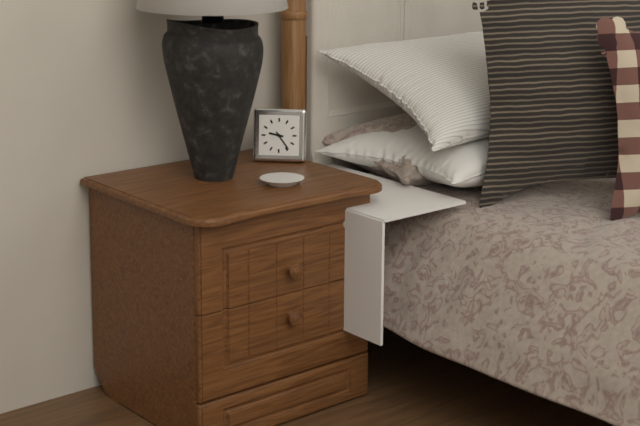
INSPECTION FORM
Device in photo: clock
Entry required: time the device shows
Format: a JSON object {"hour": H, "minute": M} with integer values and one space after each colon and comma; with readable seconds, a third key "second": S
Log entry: {"hour": 9, "minute": 24}
